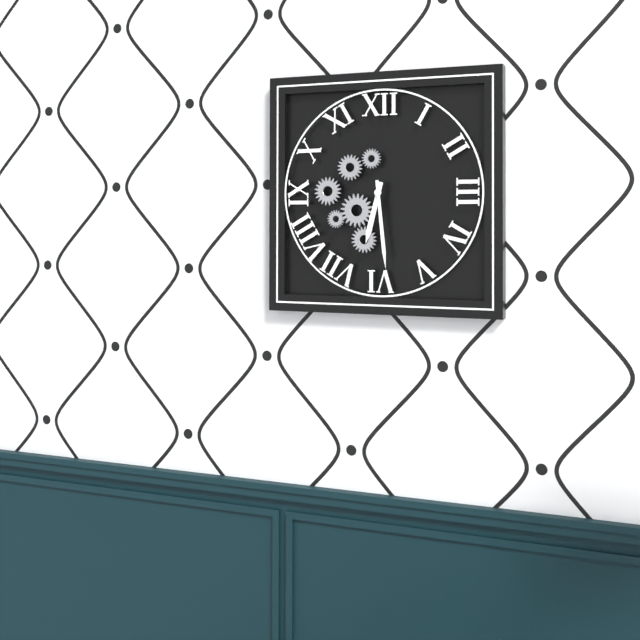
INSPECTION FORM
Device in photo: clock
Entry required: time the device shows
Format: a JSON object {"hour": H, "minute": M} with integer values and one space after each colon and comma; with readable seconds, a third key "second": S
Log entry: {"hour": 6, "minute": 29}
